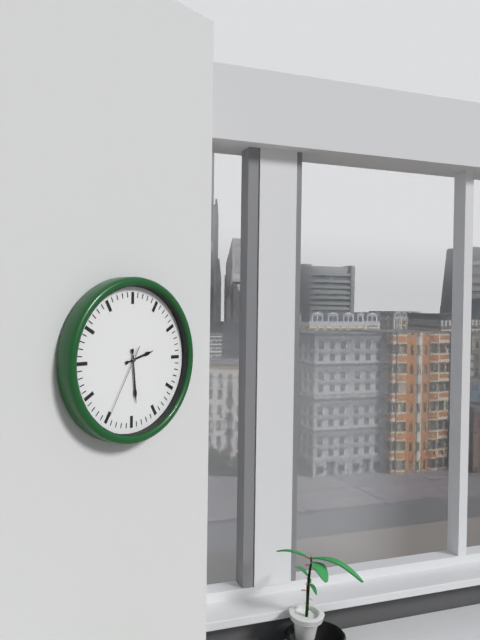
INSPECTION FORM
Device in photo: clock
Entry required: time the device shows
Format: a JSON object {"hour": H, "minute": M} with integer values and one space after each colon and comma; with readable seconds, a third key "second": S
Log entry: {"hour": 2, "minute": 29, "second": 35}
